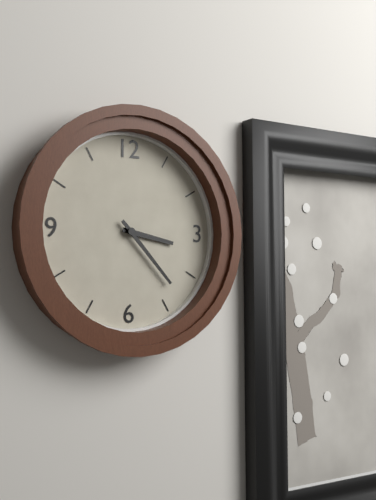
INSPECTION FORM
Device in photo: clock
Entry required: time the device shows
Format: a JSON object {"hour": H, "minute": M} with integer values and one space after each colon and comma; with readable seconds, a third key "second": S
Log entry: {"hour": 3, "minute": 23}
